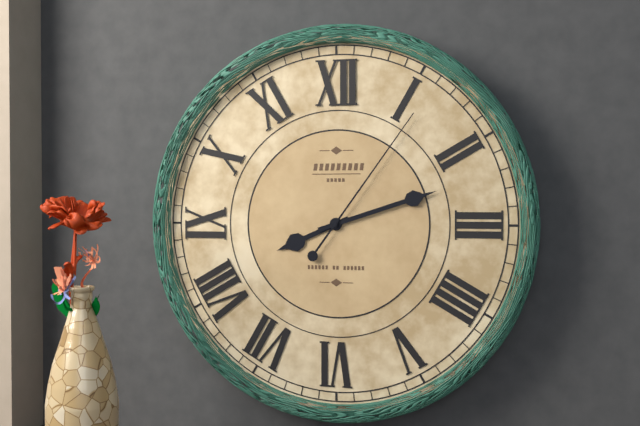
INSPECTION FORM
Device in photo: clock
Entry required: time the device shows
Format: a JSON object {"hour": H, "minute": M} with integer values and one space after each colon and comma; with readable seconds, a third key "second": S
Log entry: {"hour": 8, "minute": 12, "second": 6}
